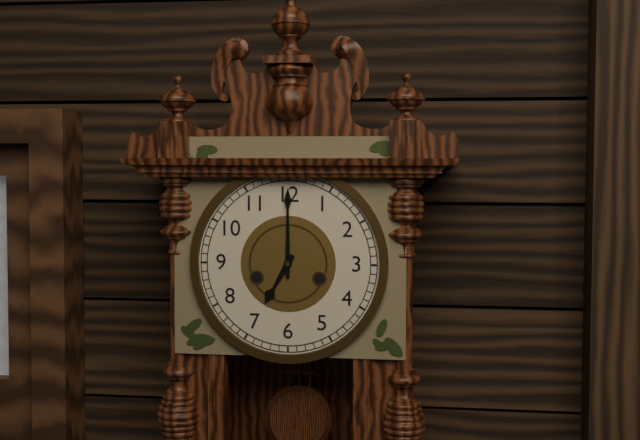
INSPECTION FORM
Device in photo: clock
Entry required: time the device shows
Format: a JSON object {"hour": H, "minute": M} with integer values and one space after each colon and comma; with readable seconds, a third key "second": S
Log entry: {"hour": 7, "minute": 0}
